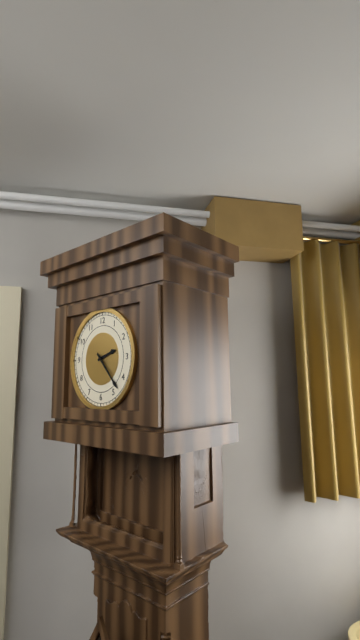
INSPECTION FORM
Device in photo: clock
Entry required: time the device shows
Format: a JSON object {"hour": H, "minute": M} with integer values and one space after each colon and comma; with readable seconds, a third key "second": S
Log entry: {"hour": 2, "minute": 23}
